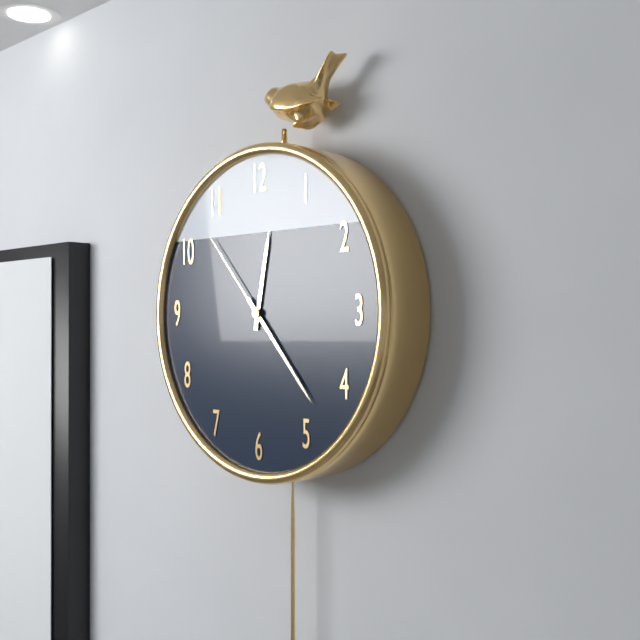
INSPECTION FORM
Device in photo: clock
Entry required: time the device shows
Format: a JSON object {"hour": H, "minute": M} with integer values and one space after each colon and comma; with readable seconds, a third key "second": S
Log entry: {"hour": 12, "minute": 23, "second": 53}
